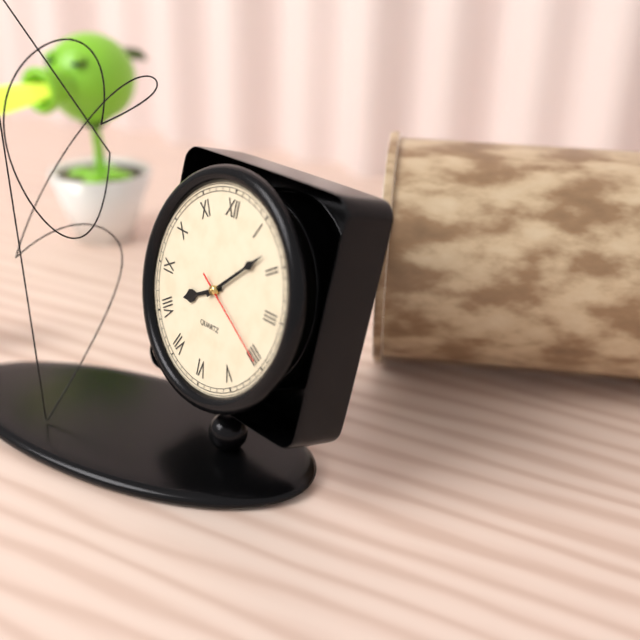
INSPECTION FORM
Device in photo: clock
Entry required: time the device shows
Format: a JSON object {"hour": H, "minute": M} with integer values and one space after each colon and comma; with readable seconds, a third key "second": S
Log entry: {"hour": 8, "minute": 8, "second": 20}
